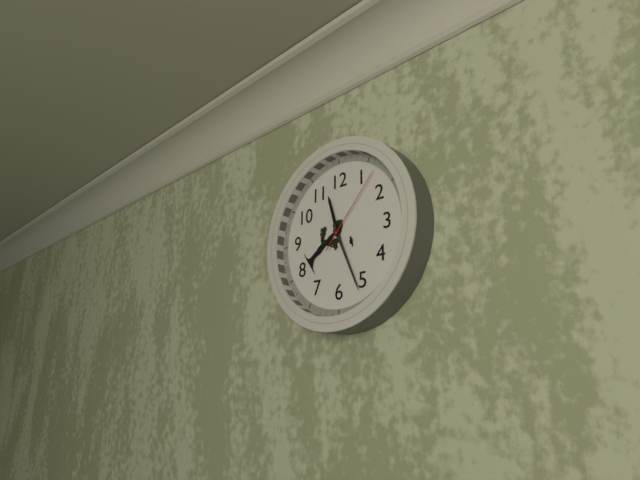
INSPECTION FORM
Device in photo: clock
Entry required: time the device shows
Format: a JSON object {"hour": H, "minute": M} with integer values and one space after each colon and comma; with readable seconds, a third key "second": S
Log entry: {"hour": 11, "minute": 26, "second": 7}
